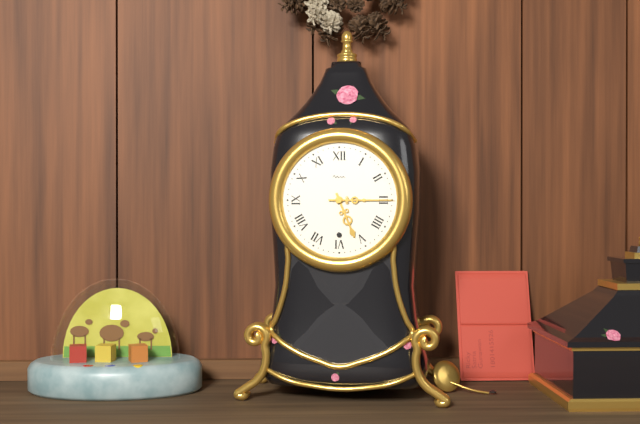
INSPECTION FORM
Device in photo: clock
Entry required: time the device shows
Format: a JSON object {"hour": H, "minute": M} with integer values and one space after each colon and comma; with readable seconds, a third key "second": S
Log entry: {"hour": 5, "minute": 15}
